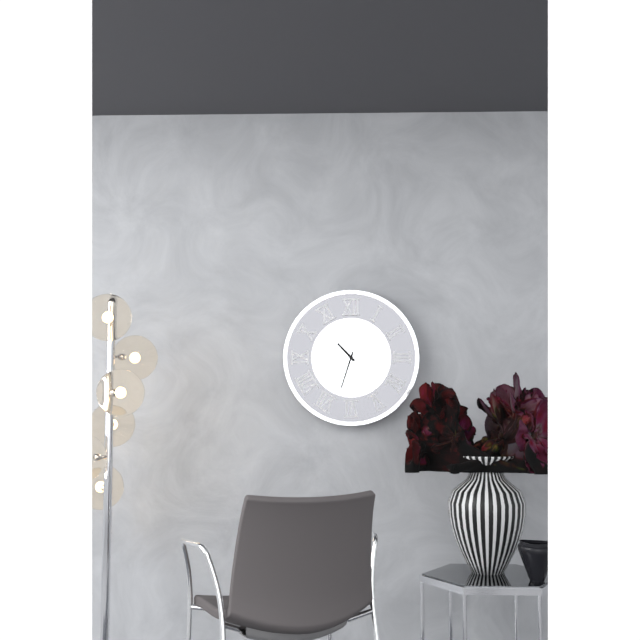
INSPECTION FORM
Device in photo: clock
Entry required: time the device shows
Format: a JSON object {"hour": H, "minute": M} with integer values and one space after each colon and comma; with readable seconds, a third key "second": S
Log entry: {"hour": 10, "minute": 33}
